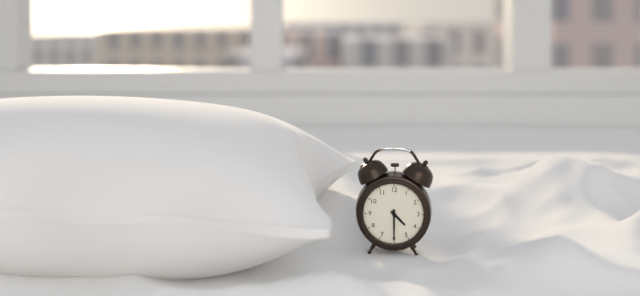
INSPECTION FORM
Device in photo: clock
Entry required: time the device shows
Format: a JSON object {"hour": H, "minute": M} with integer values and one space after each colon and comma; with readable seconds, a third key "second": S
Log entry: {"hour": 4, "minute": 30}
